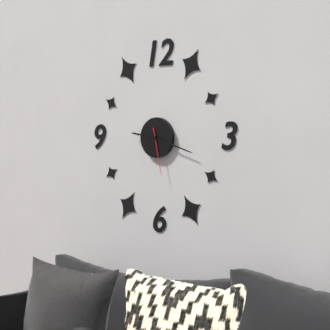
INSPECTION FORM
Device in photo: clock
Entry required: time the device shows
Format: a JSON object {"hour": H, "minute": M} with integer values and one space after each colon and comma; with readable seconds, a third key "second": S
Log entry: {"hour": 9, "minute": 18}
